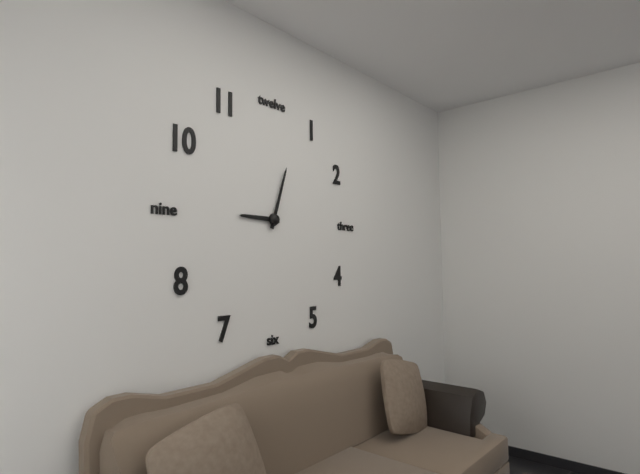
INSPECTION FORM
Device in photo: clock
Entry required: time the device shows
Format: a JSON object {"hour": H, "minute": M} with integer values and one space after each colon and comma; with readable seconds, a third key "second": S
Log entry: {"hour": 9, "minute": 3}
